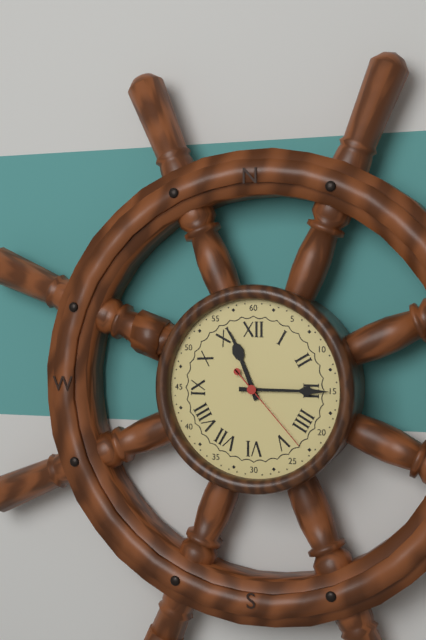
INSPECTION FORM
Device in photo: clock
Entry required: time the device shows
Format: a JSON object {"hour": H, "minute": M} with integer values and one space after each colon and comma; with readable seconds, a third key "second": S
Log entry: {"hour": 11, "minute": 15, "second": 23}
